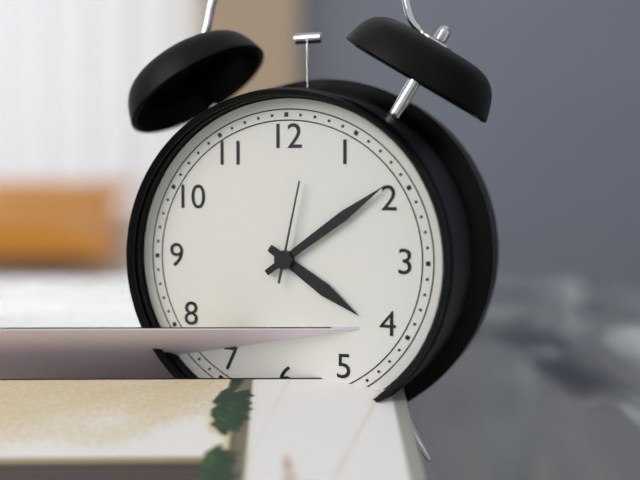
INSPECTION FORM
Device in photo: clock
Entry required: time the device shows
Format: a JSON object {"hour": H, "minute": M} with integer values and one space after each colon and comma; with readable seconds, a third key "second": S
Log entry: {"hour": 4, "minute": 9, "second": 2}
